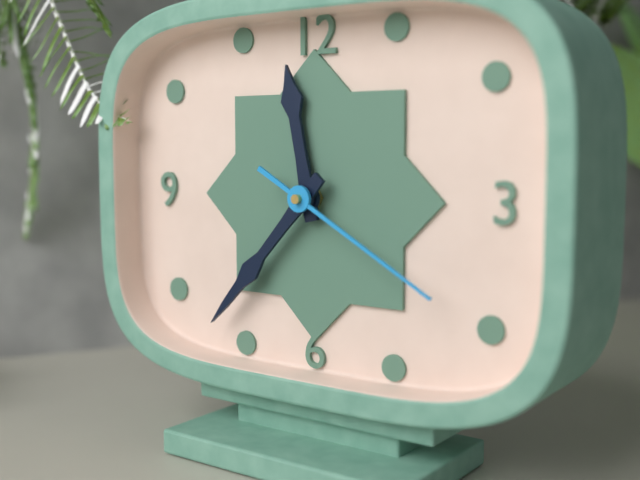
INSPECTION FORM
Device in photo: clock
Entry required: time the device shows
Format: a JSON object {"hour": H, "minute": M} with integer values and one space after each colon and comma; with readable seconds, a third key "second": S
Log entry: {"hour": 11, "minute": 37, "second": 20}
